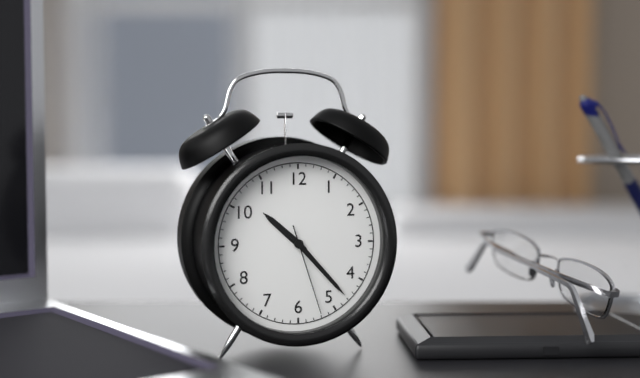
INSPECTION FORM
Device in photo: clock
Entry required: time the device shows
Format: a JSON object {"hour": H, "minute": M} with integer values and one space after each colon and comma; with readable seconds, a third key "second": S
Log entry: {"hour": 10, "minute": 23, "second": 27}
